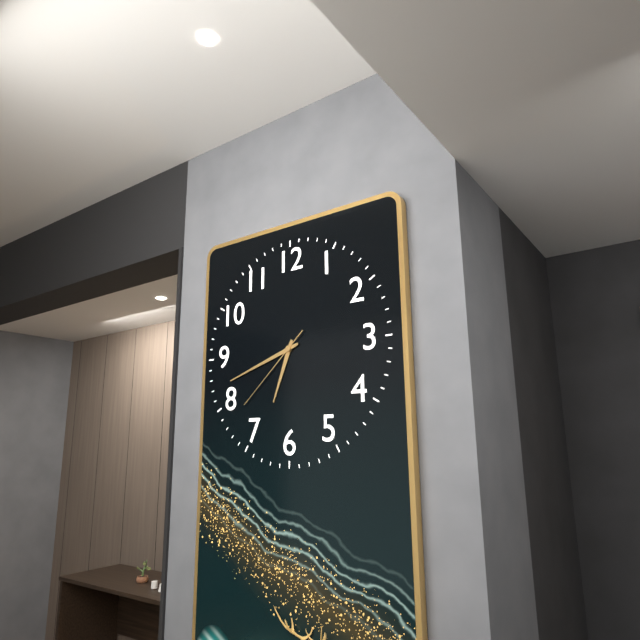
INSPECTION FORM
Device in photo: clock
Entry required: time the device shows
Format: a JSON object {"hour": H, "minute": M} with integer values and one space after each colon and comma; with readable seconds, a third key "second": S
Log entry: {"hour": 6, "minute": 42, "second": 38}
